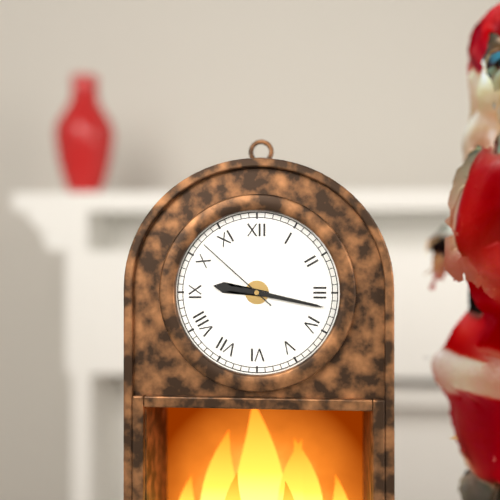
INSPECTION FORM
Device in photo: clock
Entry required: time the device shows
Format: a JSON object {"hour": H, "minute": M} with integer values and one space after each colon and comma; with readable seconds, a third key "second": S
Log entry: {"hour": 9, "minute": 17, "second": 52}
